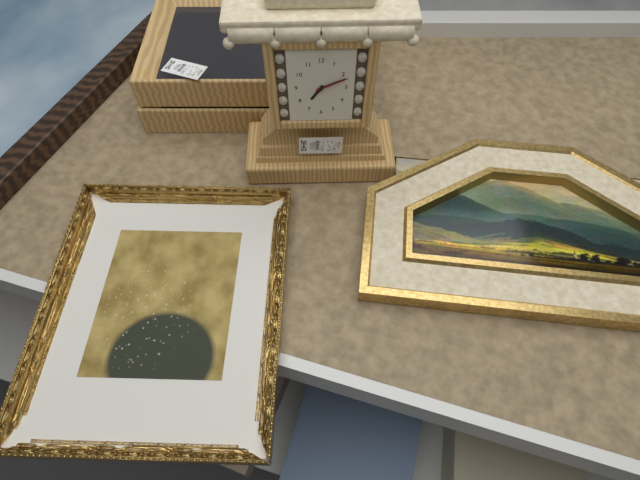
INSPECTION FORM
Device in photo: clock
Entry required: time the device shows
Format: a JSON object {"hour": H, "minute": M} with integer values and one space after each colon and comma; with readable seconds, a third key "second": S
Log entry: {"hour": 7, "minute": 11}
